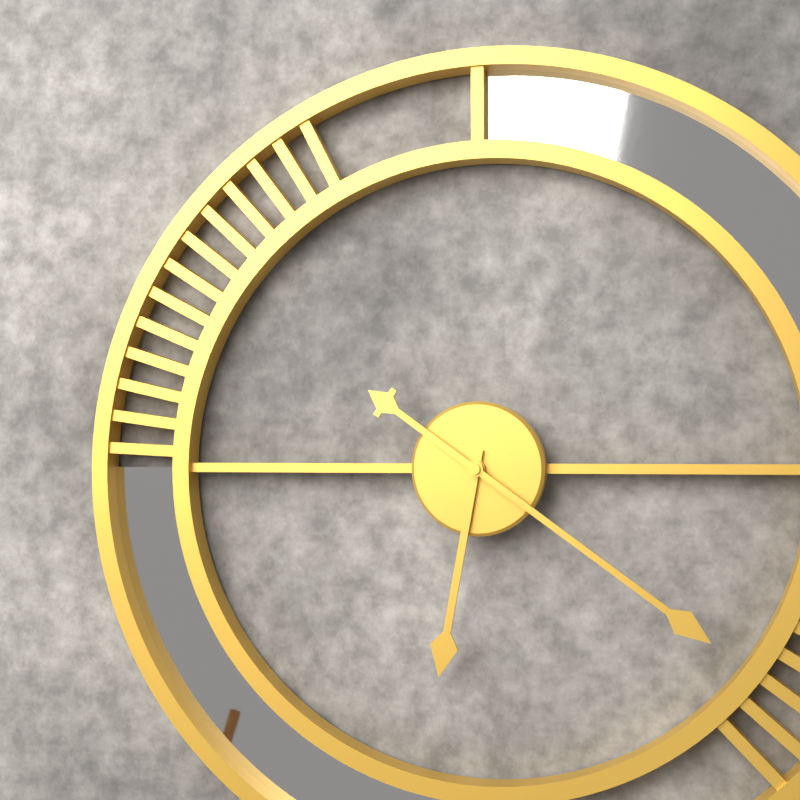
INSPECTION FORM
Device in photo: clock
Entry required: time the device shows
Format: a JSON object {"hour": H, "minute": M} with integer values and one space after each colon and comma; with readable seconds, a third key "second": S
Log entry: {"hour": 6, "minute": 21}
